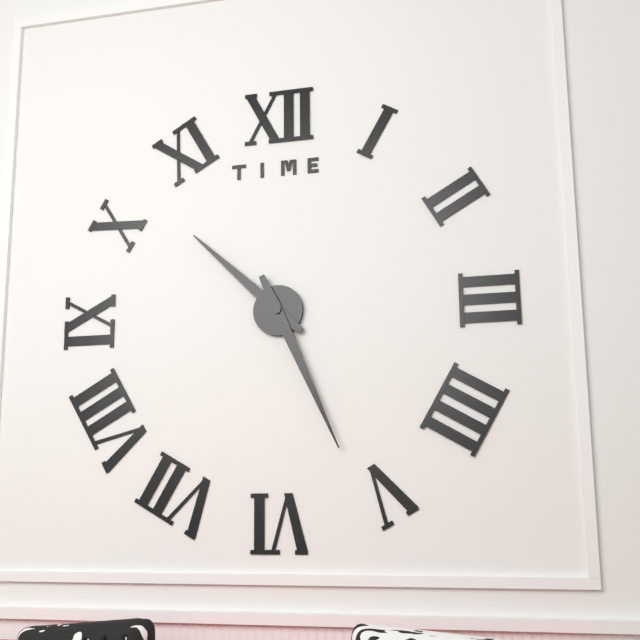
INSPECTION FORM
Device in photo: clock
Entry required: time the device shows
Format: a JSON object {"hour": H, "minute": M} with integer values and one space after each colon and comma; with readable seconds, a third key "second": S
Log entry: {"hour": 10, "minute": 26}
